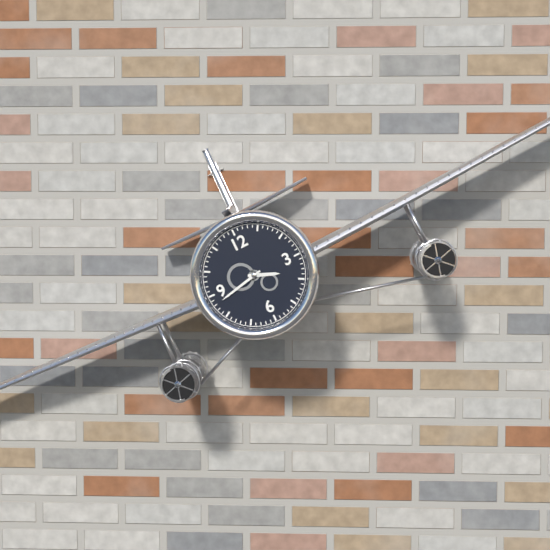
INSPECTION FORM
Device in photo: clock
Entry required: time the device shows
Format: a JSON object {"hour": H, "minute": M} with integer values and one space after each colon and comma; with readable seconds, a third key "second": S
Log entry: {"hour": 3, "minute": 43}
